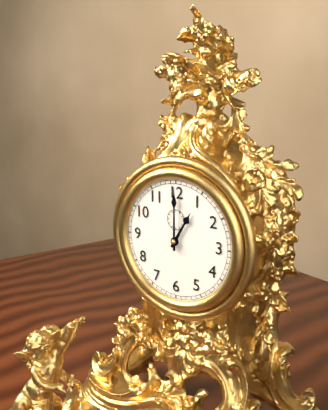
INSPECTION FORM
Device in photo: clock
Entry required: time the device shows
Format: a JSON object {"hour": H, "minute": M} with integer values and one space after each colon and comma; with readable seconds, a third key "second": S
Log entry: {"hour": 1, "minute": 0}
